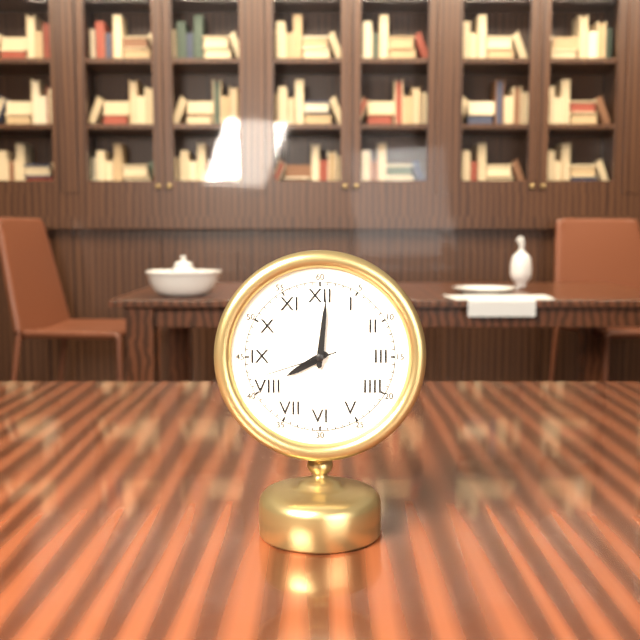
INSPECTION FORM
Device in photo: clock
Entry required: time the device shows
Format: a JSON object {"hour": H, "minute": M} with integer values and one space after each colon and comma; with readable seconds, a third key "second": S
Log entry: {"hour": 8, "minute": 1, "second": 42}
